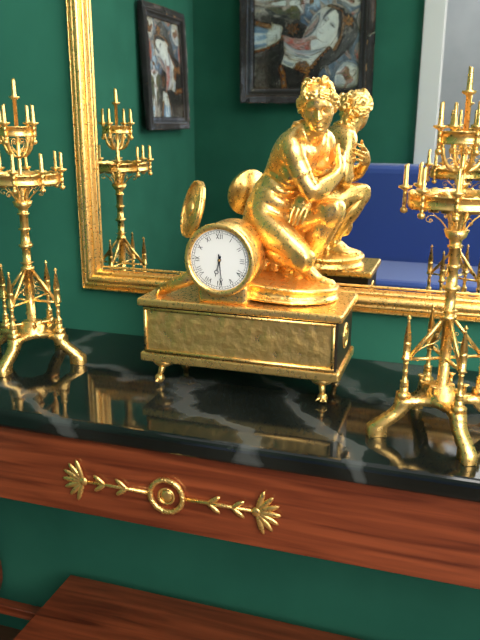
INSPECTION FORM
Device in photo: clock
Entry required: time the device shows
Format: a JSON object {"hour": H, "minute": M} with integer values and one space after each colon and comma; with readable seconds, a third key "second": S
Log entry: {"hour": 6, "minute": 29}
